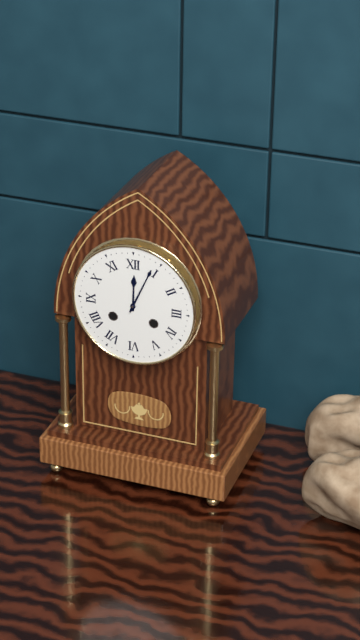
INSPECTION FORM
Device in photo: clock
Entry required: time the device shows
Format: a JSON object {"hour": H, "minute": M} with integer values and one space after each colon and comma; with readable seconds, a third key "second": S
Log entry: {"hour": 12, "minute": 4}
